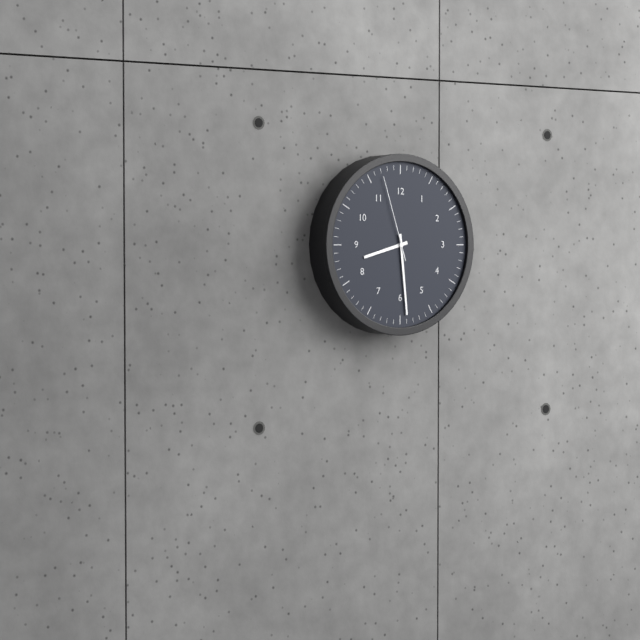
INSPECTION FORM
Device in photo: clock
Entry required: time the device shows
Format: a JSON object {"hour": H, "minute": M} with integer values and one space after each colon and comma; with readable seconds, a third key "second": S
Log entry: {"hour": 8, "minute": 29, "second": 57}
